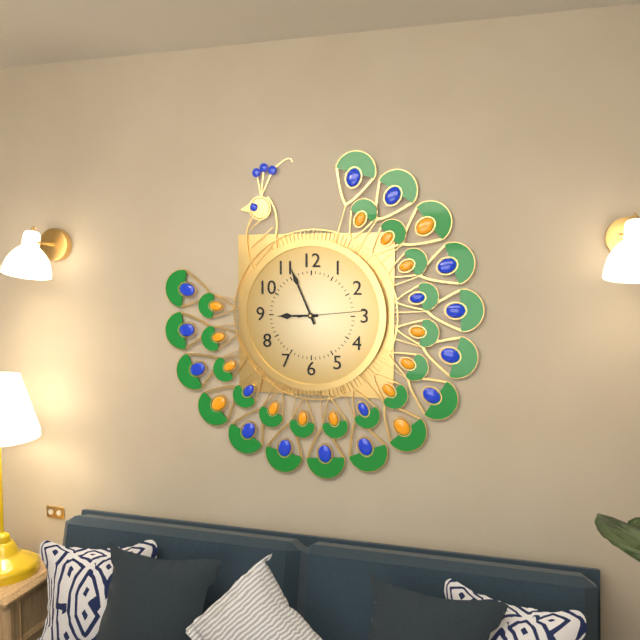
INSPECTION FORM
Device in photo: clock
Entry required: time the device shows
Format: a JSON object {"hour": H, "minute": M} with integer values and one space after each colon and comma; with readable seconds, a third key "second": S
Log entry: {"hour": 8, "minute": 56, "second": 14}
